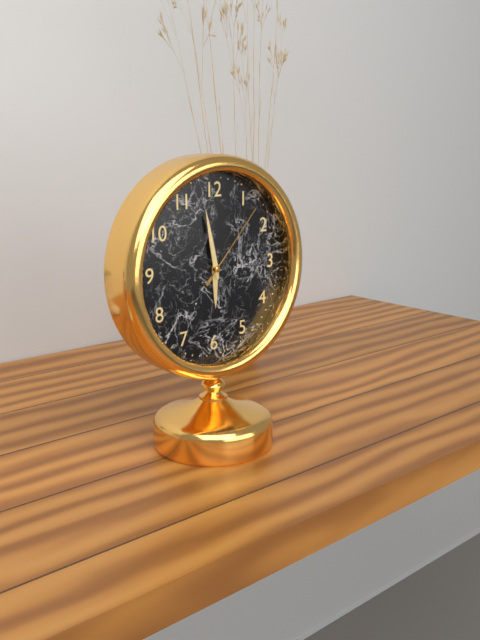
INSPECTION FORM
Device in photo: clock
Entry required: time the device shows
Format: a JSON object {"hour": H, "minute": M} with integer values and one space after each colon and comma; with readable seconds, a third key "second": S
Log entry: {"hour": 5, "minute": 58, "second": 7}
